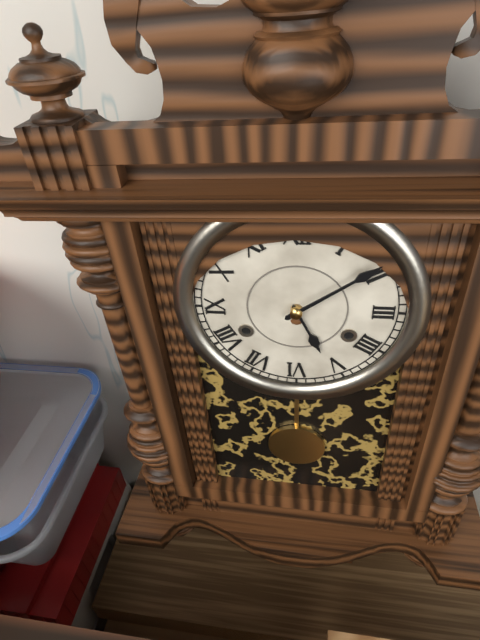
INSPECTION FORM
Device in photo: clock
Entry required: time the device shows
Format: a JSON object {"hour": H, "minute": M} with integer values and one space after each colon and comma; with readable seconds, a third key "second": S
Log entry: {"hour": 5, "minute": 9}
